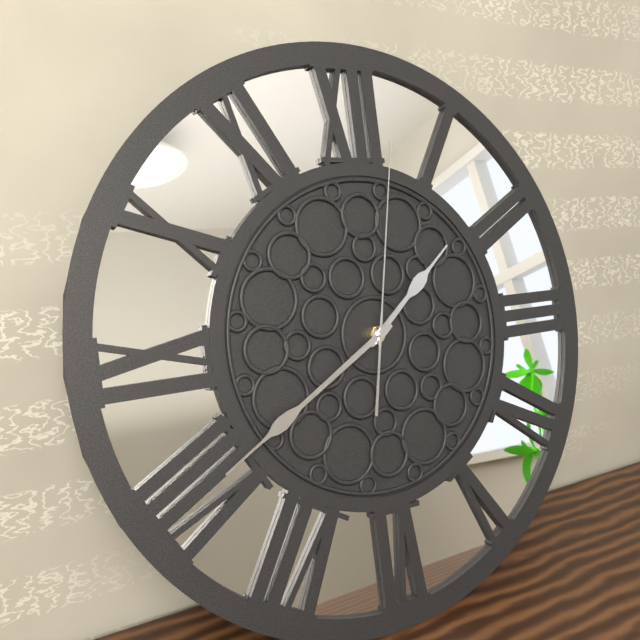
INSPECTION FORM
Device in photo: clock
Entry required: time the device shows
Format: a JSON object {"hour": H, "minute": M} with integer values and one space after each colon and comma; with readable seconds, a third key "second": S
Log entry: {"hour": 1, "minute": 40, "second": 2}
